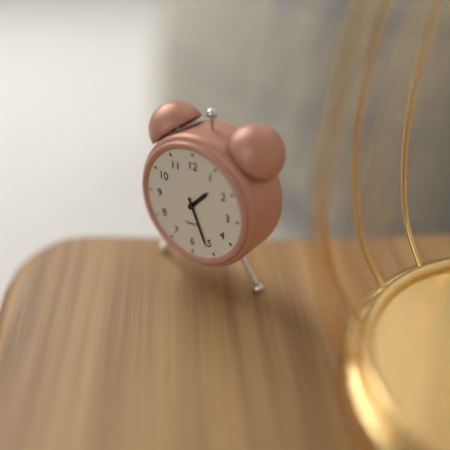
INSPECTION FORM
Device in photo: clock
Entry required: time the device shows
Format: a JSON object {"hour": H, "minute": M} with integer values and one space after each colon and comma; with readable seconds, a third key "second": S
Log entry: {"hour": 1, "minute": 26}
